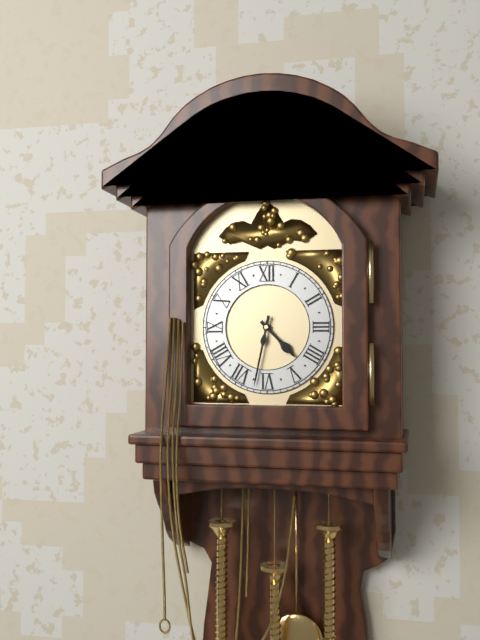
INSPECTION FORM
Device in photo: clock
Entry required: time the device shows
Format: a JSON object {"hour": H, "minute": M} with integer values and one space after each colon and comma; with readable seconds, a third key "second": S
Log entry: {"hour": 4, "minute": 32}
